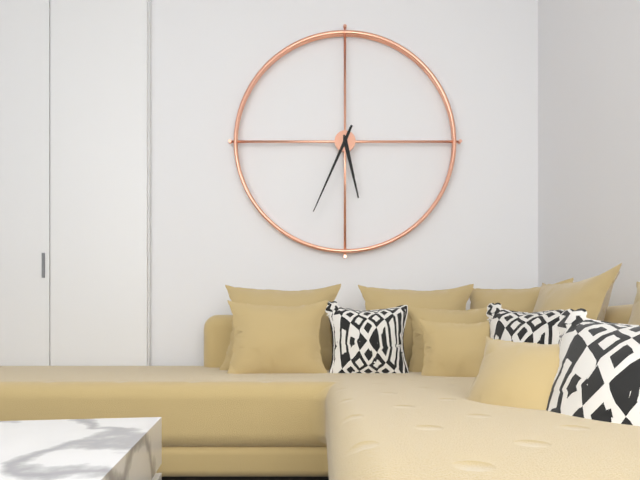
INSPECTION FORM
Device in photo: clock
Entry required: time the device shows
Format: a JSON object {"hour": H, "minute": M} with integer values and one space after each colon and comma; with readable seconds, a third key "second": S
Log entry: {"hour": 5, "minute": 34}
